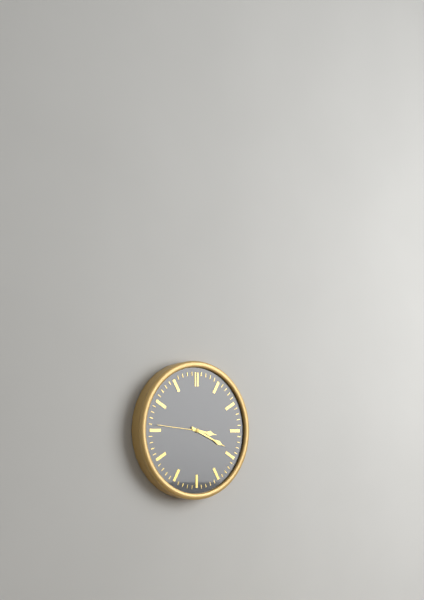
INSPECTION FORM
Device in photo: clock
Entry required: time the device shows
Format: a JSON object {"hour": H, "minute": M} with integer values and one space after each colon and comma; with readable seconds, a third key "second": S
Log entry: {"hour": 3, "minute": 19, "second": 46}
